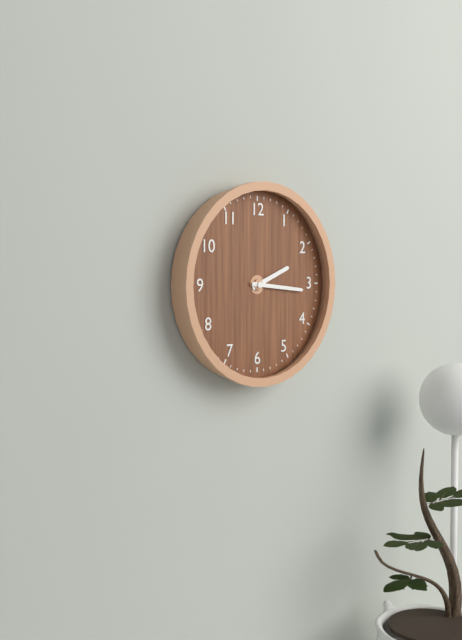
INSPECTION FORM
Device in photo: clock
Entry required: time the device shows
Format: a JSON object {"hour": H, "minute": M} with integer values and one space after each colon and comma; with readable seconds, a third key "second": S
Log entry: {"hour": 2, "minute": 16}
